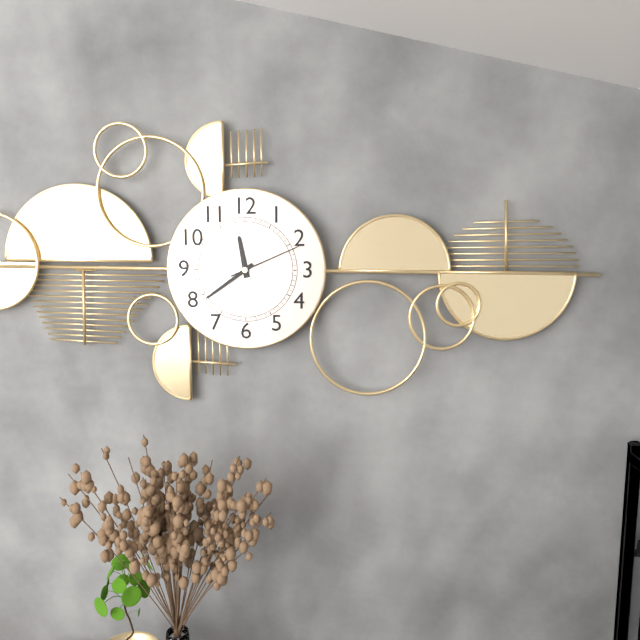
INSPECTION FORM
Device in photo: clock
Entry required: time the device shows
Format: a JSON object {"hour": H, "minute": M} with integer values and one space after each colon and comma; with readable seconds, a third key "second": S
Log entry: {"hour": 11, "minute": 39, "second": 11}
